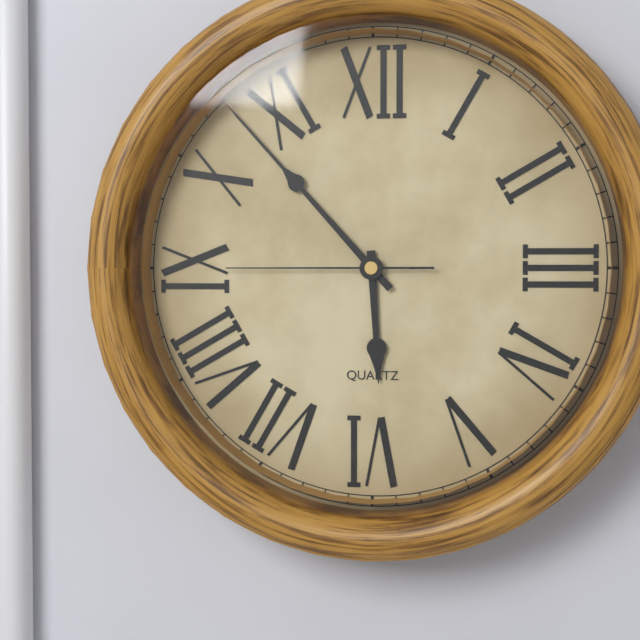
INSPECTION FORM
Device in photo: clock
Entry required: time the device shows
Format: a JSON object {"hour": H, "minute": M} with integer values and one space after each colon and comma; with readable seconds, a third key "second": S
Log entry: {"hour": 5, "minute": 53, "second": 45}
